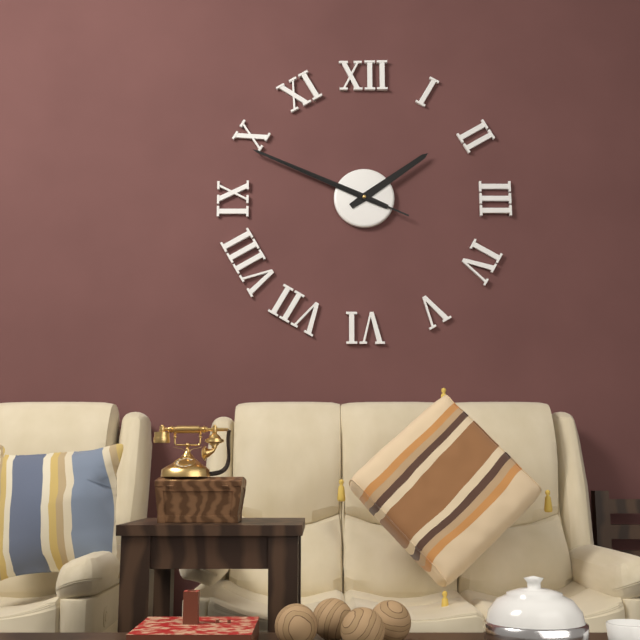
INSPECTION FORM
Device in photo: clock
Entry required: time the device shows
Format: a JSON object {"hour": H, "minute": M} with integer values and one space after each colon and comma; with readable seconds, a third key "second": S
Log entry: {"hour": 1, "minute": 49, "second": 49}
